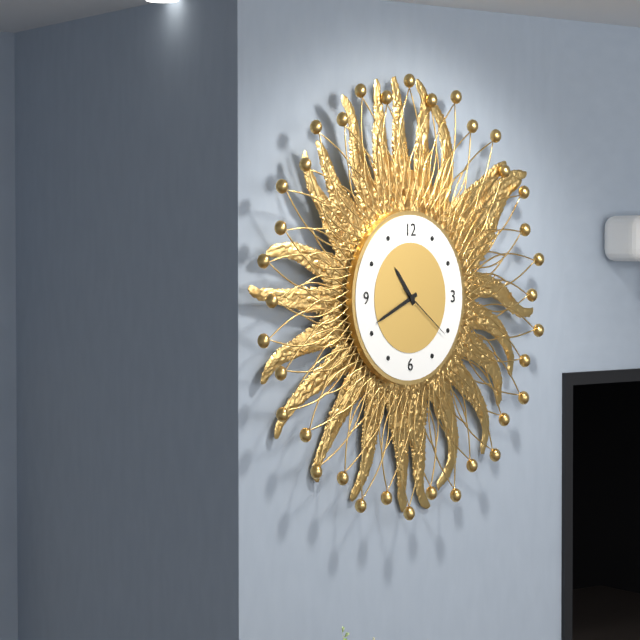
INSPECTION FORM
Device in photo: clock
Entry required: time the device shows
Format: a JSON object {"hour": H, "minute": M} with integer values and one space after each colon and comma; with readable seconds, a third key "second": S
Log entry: {"hour": 10, "minute": 41, "second": 21}
